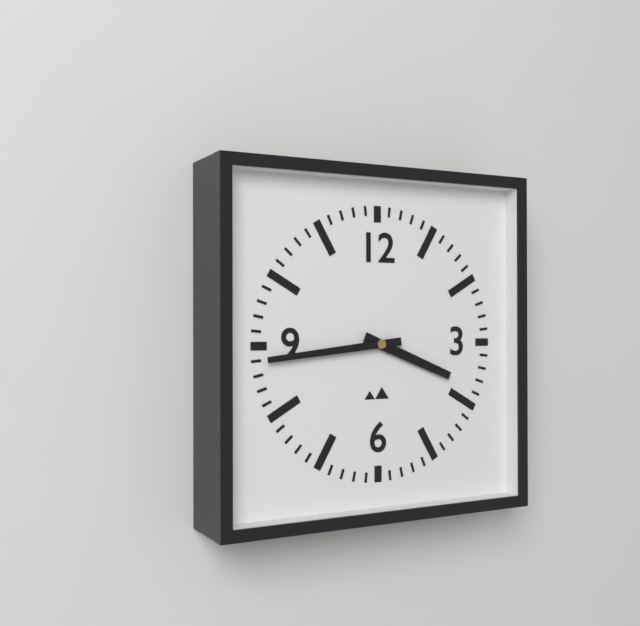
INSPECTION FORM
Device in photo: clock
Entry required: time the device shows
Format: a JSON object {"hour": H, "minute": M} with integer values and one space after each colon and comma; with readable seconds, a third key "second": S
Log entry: {"hour": 3, "minute": 44}
